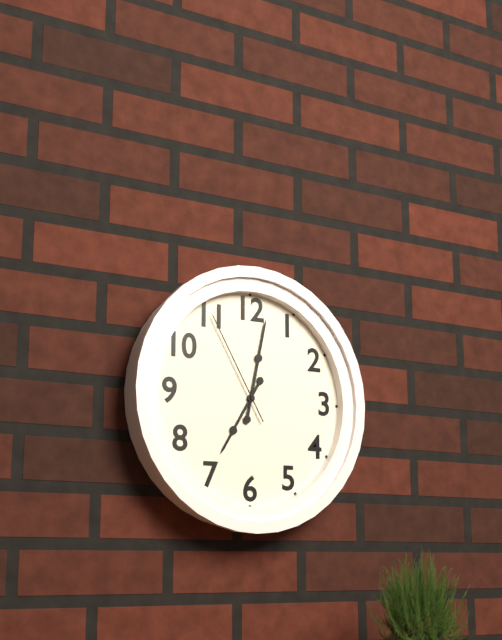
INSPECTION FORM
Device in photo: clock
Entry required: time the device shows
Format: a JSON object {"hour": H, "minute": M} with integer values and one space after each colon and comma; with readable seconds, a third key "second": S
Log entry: {"hour": 7, "minute": 2, "second": 55}
